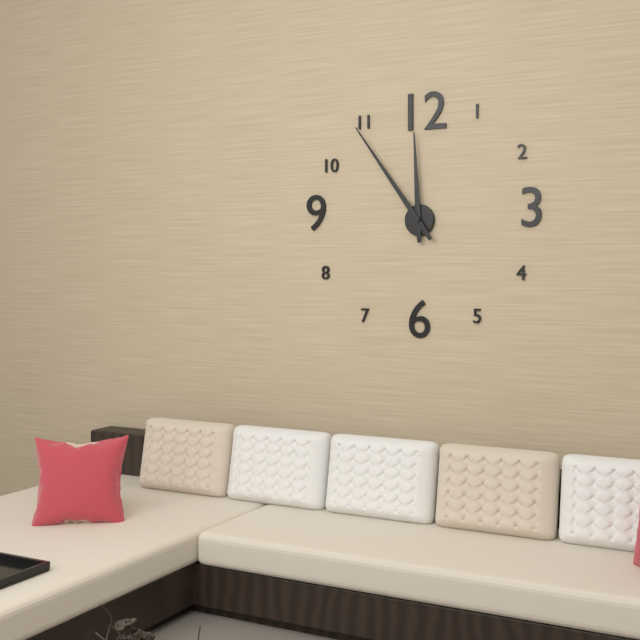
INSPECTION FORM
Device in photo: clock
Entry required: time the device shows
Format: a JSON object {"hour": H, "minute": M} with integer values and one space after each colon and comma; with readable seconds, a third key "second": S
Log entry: {"hour": 11, "minute": 54}
